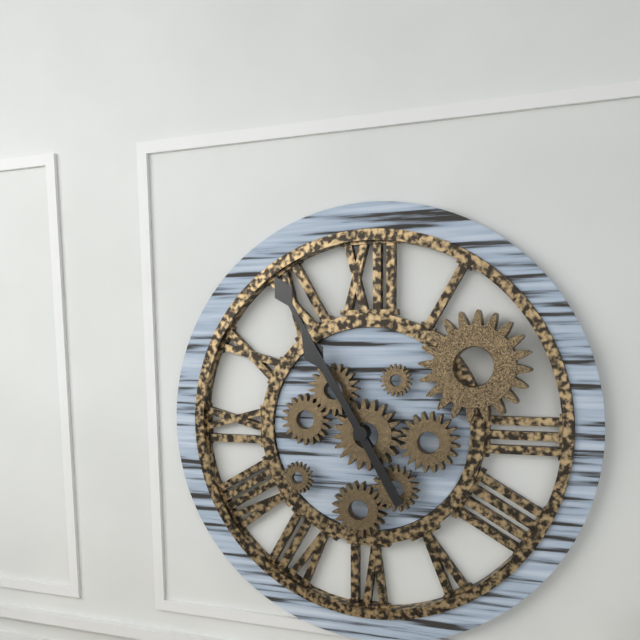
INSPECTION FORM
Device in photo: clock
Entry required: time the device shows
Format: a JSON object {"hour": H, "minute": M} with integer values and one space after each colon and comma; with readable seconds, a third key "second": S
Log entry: {"hour": 10, "minute": 55}
